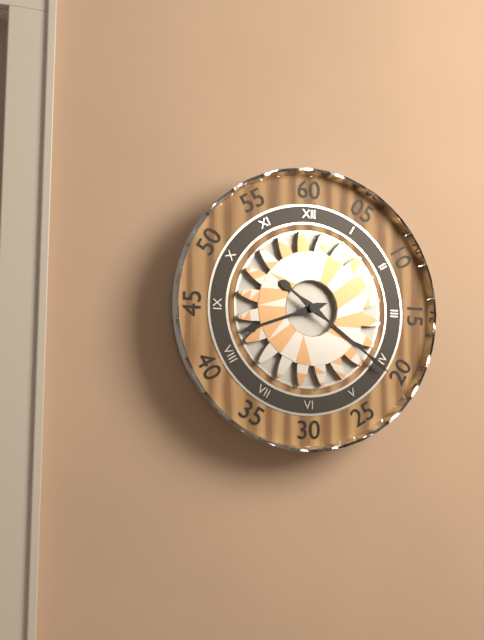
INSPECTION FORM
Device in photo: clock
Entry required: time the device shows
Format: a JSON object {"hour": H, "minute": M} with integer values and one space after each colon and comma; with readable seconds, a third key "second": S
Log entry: {"hour": 8, "minute": 21}
